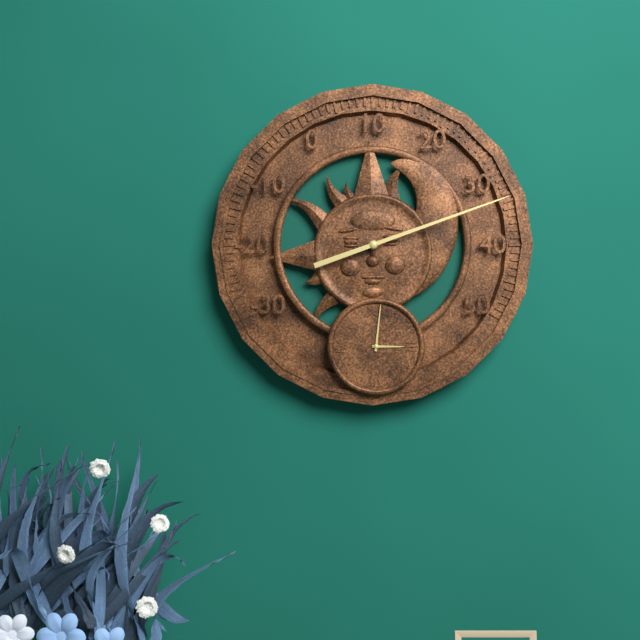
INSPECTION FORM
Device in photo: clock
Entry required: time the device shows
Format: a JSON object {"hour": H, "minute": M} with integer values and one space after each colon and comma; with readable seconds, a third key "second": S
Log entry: {"hour": 3, "minute": 1}
